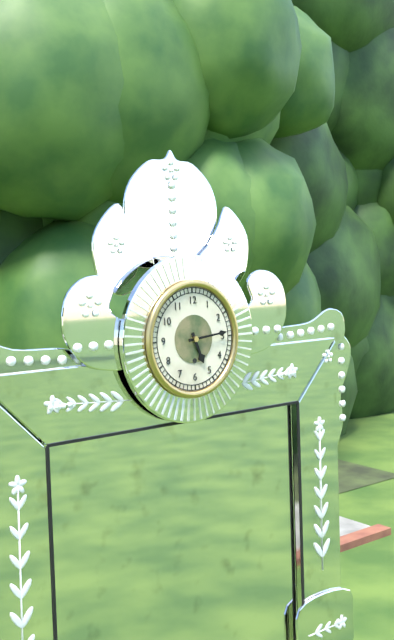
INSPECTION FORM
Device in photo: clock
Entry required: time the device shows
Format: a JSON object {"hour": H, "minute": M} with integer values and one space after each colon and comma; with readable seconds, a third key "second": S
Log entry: {"hour": 5, "minute": 14}
